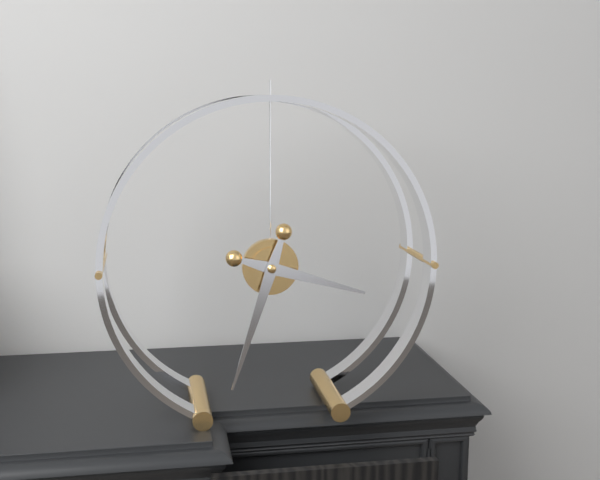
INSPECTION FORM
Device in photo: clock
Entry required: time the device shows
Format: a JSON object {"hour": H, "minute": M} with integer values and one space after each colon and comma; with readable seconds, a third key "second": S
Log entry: {"hour": 3, "minute": 33}
